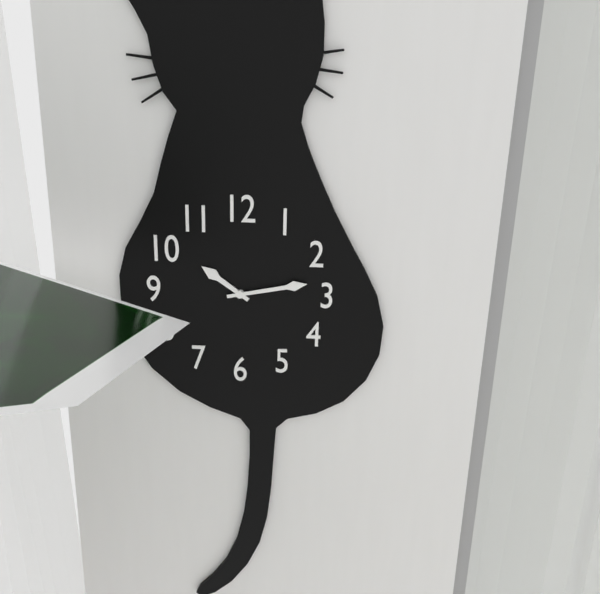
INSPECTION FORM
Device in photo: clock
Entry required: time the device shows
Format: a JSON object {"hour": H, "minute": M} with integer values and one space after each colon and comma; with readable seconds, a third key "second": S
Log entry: {"hour": 10, "minute": 13}
